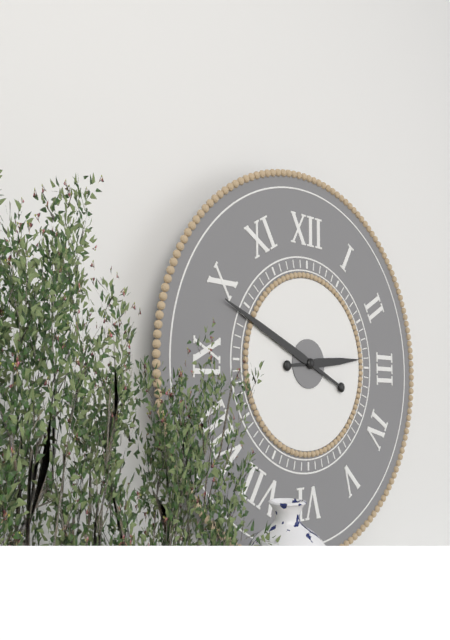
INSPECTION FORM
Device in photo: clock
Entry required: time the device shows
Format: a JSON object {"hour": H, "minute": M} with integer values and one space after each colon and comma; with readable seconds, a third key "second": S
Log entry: {"hour": 2, "minute": 49}
